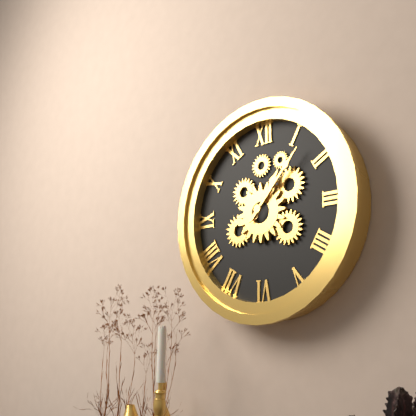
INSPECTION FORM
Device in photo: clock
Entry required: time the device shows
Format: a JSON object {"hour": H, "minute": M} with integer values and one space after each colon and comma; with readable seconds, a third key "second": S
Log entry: {"hour": 1, "minute": 7}
